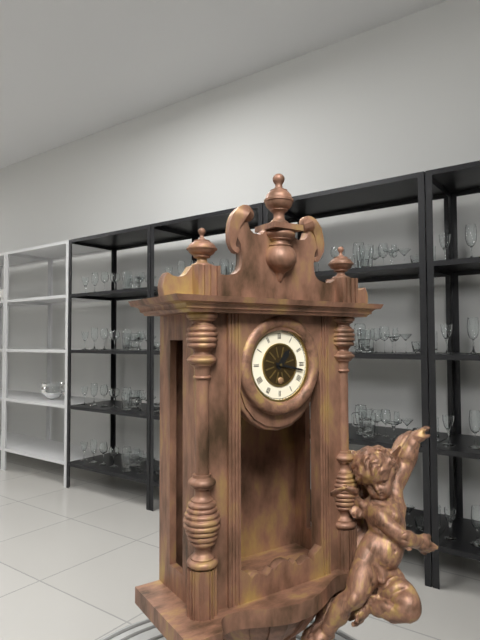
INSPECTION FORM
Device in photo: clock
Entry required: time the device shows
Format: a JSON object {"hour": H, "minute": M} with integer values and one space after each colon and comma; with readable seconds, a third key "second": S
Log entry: {"hour": 1, "minute": 17}
